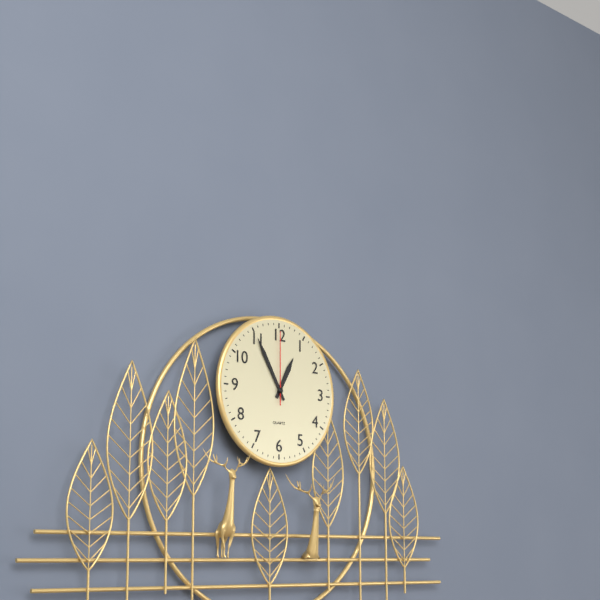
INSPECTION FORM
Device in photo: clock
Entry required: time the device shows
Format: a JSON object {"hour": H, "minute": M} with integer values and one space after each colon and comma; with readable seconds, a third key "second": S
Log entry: {"hour": 12, "minute": 55, "second": 0}
